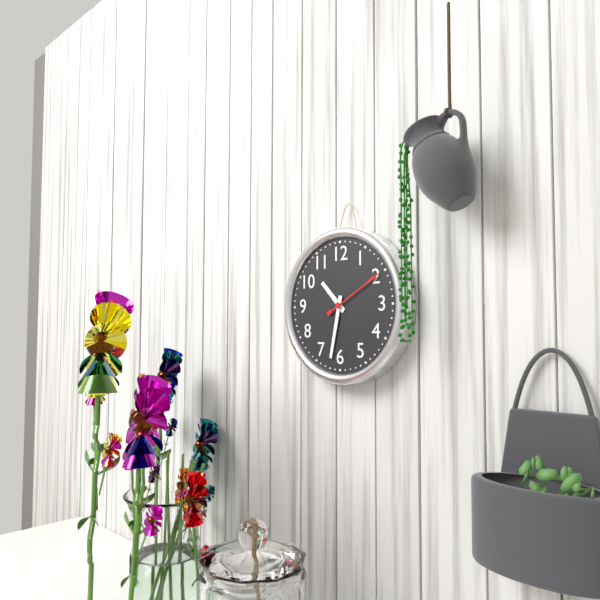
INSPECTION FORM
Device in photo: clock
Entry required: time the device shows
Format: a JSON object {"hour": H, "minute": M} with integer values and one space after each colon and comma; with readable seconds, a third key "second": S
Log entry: {"hour": 10, "minute": 32, "second": 10}
